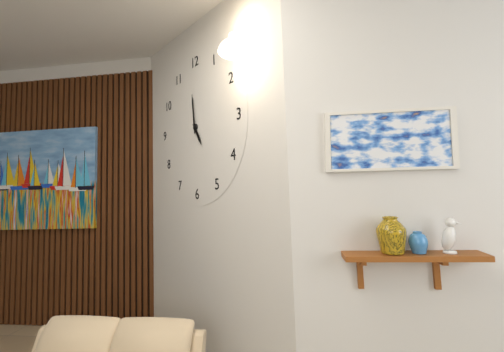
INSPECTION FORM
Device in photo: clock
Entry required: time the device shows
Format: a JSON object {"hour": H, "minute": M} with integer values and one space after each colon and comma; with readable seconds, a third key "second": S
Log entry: {"hour": 4, "minute": 59}
